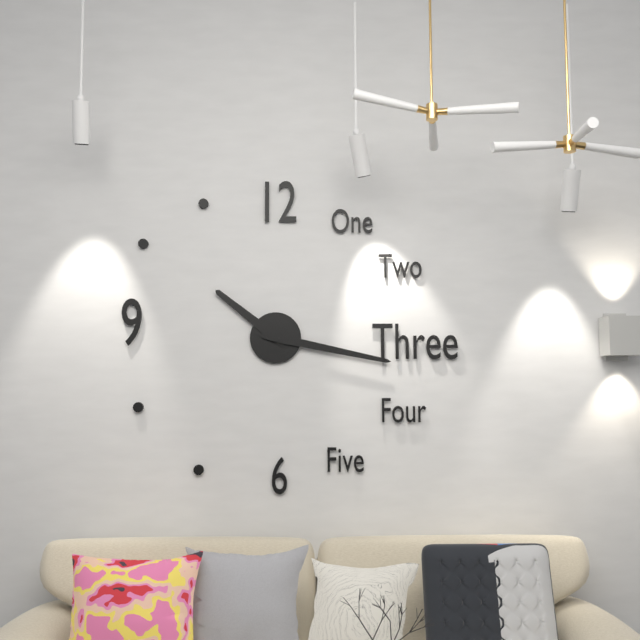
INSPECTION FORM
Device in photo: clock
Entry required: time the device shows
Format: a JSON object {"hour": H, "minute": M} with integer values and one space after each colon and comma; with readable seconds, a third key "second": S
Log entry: {"hour": 10, "minute": 17}
